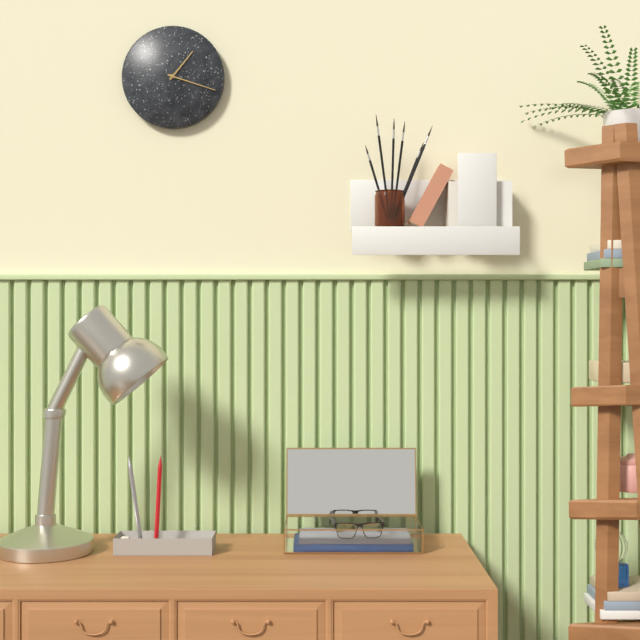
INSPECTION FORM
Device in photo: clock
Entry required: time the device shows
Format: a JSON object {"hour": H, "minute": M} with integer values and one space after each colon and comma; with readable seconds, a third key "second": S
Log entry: {"hour": 1, "minute": 18}
